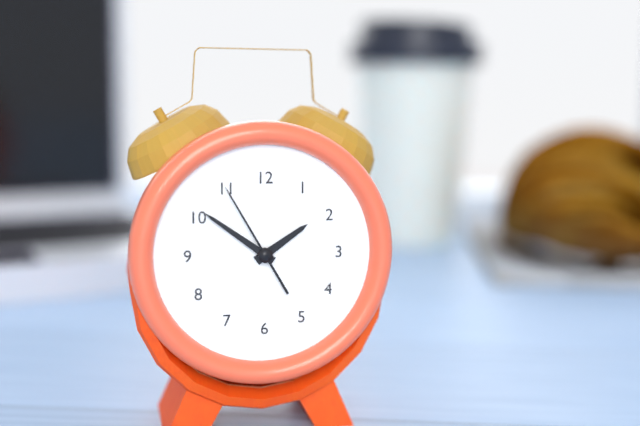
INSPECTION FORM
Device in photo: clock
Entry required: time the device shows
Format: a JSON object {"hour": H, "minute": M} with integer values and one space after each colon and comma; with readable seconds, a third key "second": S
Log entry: {"hour": 1, "minute": 51, "second": 55}
